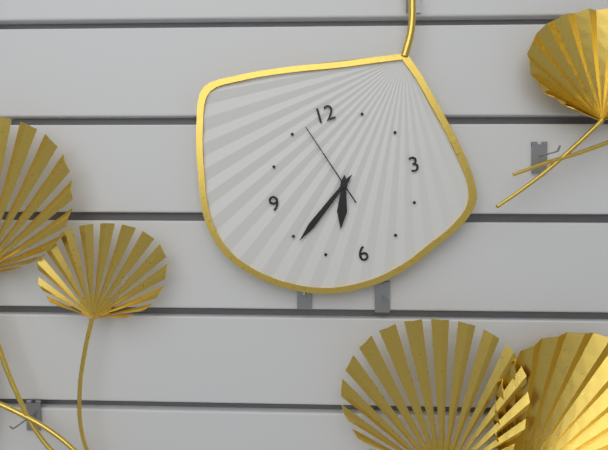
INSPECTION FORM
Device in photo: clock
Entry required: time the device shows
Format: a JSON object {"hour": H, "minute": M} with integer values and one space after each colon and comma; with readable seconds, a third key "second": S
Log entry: {"hour": 6, "minute": 39, "second": 57}
